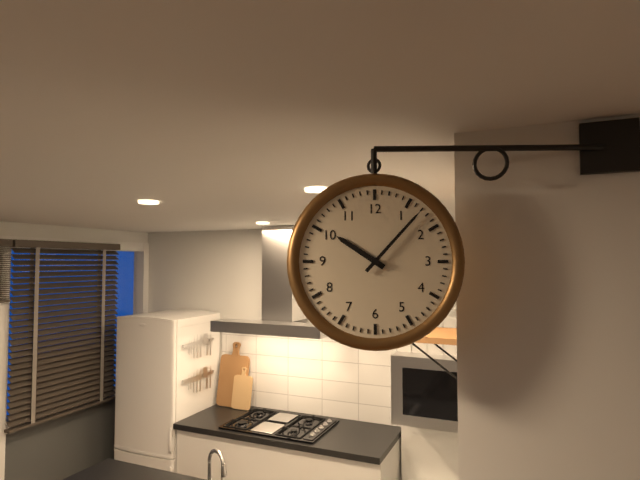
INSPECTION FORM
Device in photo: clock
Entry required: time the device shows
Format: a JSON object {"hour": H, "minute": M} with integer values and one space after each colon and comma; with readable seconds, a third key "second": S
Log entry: {"hour": 10, "minute": 7}
